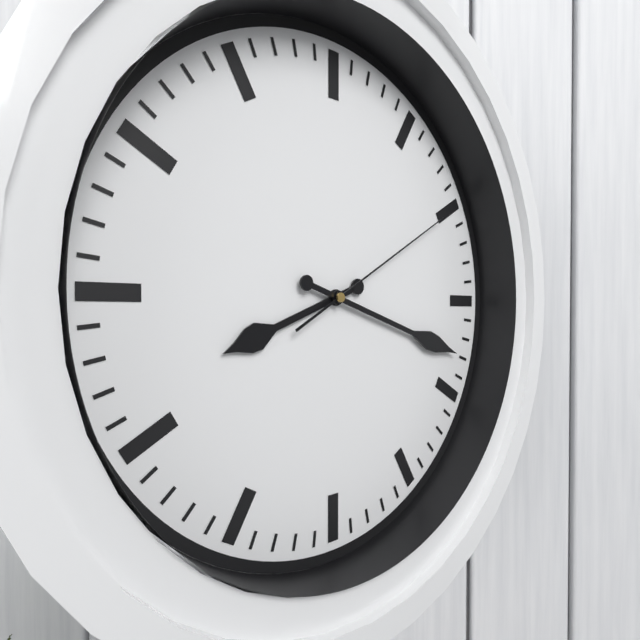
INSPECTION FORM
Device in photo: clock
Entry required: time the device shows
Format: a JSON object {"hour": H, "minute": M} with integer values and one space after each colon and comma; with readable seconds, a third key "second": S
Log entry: {"hour": 8, "minute": 18, "second": 10}
